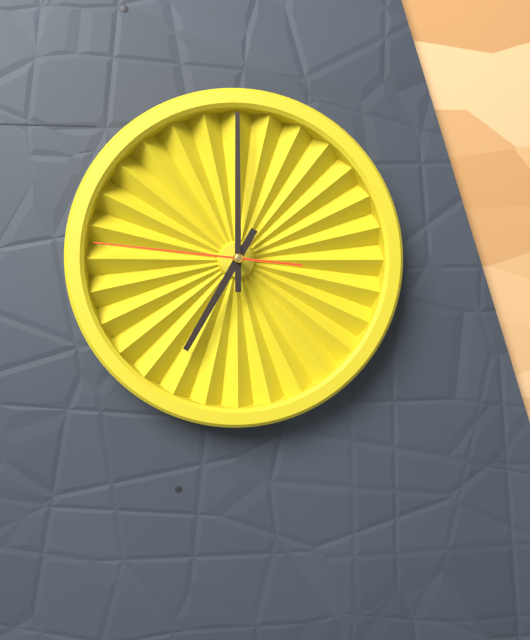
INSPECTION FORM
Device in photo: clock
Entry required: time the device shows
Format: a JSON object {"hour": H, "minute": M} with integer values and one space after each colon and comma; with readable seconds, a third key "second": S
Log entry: {"hour": 7, "minute": 0, "second": 46}
